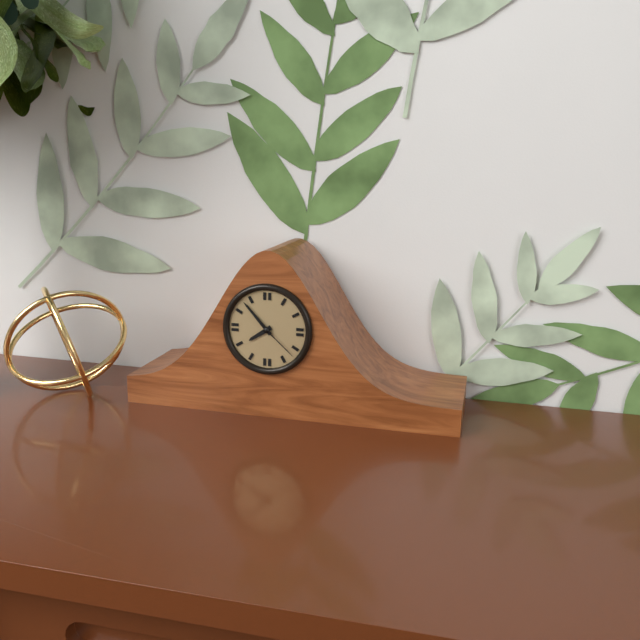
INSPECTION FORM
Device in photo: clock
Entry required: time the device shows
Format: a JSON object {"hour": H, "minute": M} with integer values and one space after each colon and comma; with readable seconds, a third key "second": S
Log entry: {"hour": 7, "minute": 53}
